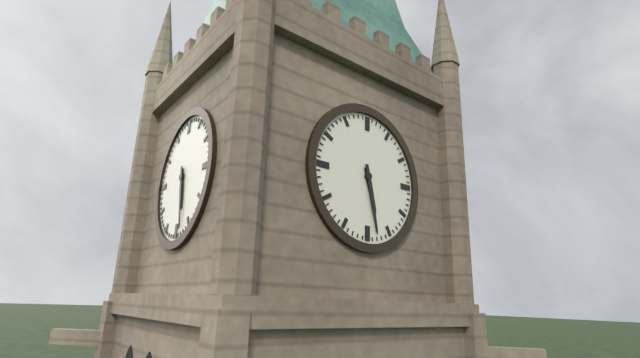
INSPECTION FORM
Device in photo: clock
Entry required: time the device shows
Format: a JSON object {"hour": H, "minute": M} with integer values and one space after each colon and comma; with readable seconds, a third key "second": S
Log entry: {"hour": 5, "minute": 28}
